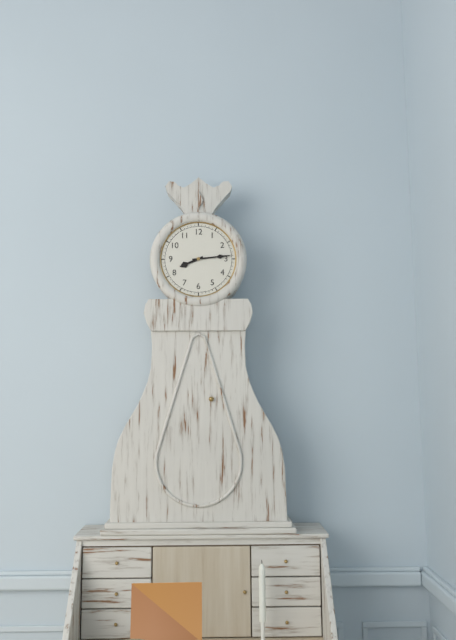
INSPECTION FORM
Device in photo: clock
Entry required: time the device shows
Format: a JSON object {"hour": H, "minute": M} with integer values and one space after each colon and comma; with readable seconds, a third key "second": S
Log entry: {"hour": 8, "minute": 14}
